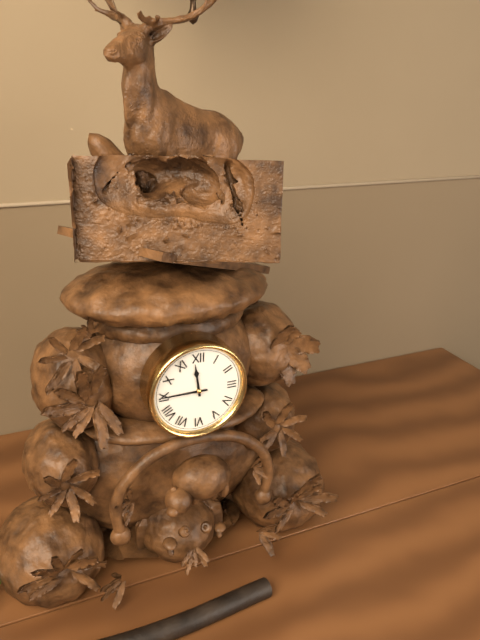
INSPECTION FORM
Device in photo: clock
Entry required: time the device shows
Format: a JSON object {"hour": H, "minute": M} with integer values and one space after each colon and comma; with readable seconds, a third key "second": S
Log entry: {"hour": 11, "minute": 45}
